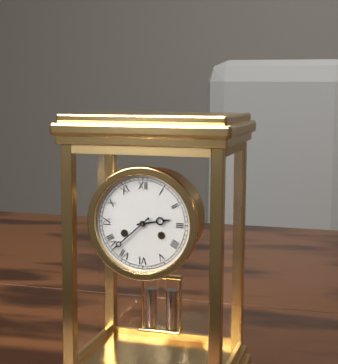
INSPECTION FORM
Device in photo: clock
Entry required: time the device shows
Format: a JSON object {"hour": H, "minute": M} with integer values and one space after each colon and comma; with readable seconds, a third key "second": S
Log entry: {"hour": 2, "minute": 38}
